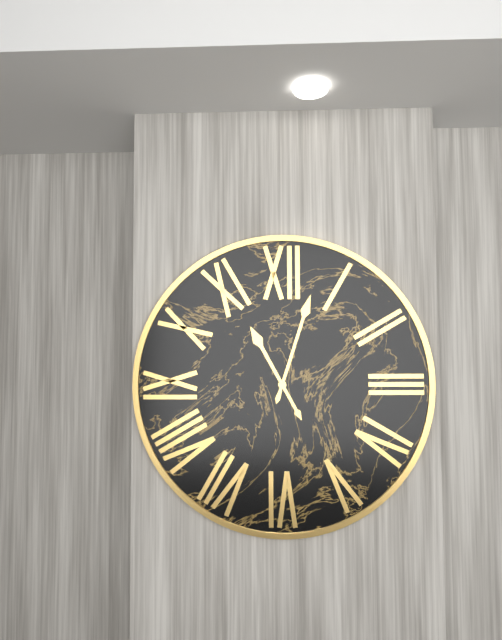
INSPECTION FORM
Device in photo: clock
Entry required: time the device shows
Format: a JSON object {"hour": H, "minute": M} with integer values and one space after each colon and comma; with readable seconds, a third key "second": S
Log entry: {"hour": 11, "minute": 3}
